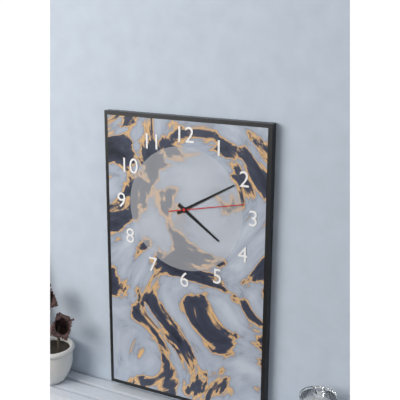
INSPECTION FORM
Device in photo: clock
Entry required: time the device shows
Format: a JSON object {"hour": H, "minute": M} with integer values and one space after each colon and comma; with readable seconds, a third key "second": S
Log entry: {"hour": 4, "minute": 10, "second": 13}
